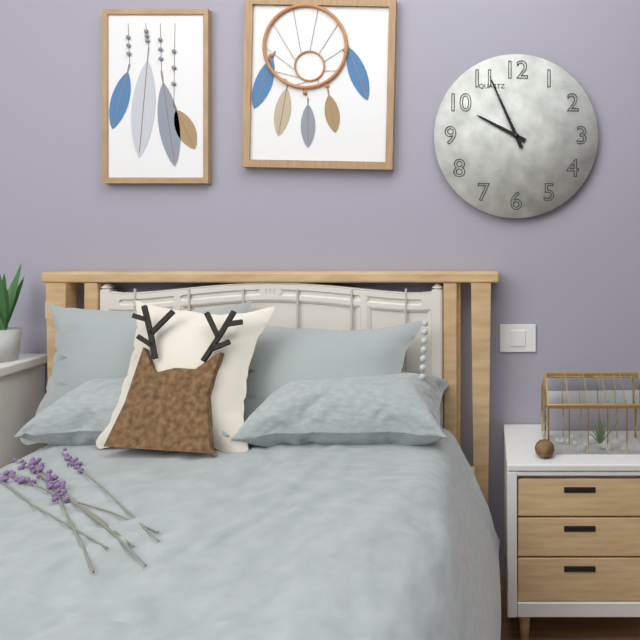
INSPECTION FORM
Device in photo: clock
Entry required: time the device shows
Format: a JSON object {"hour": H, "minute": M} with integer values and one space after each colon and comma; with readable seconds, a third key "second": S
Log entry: {"hour": 9, "minute": 56}
